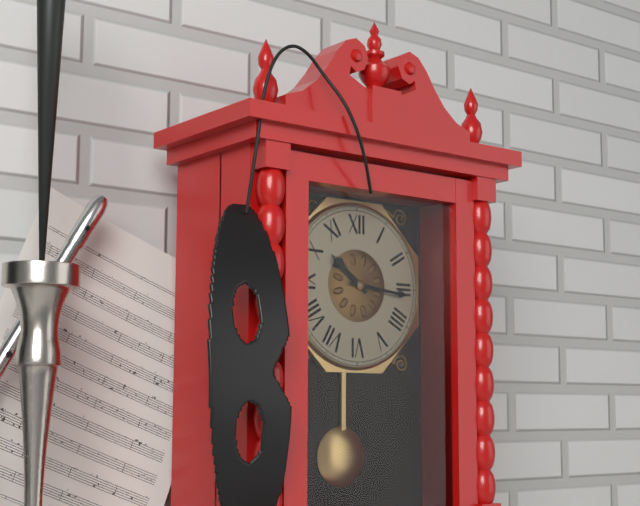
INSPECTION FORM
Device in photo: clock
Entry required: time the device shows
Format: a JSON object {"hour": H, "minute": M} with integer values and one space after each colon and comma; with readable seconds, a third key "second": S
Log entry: {"hour": 10, "minute": 16}
